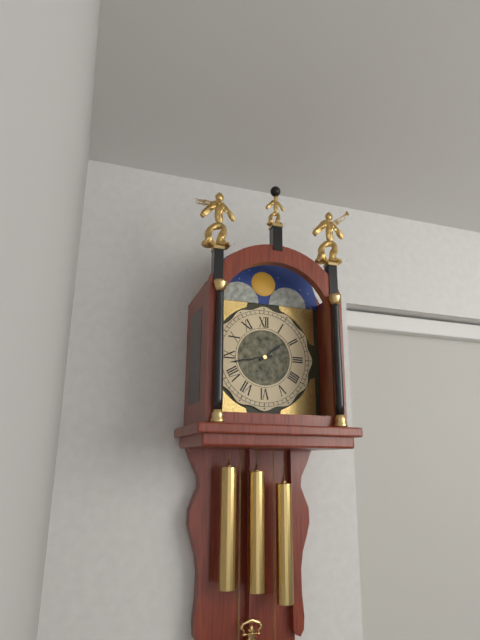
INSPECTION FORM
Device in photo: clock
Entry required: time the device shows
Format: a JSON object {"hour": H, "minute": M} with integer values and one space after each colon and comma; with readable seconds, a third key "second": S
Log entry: {"hour": 1, "minute": 43}
